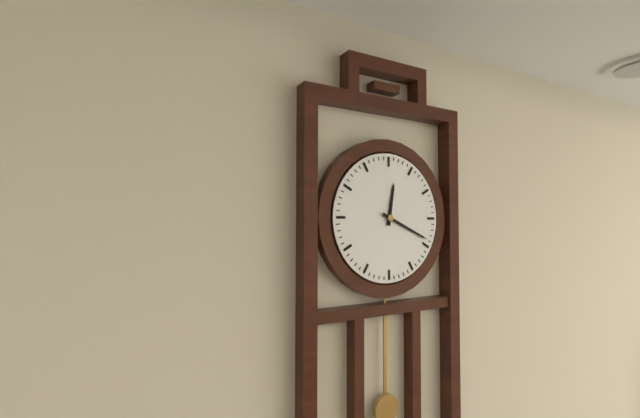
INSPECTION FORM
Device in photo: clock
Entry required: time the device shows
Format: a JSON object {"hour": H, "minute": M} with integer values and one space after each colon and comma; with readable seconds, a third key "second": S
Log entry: {"hour": 12, "minute": 19}
